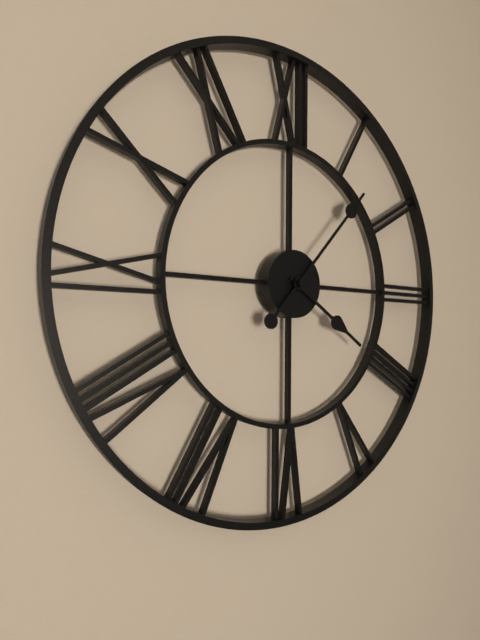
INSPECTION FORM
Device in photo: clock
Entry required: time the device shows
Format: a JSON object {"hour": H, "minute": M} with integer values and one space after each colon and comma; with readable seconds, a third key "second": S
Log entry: {"hour": 4, "minute": 7}
